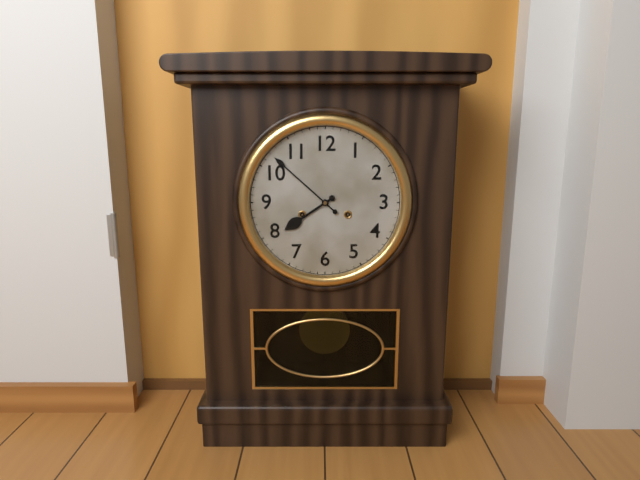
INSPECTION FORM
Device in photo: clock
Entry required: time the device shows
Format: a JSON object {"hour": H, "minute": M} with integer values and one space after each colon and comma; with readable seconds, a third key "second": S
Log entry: {"hour": 7, "minute": 52}
